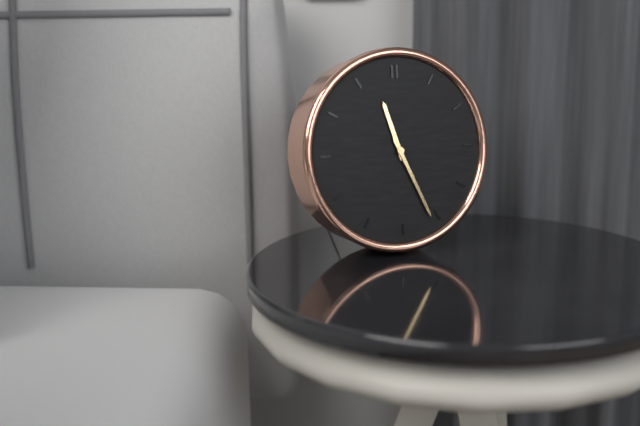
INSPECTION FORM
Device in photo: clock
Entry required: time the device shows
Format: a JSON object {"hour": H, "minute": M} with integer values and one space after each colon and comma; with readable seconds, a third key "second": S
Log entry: {"hour": 11, "minute": 26}
